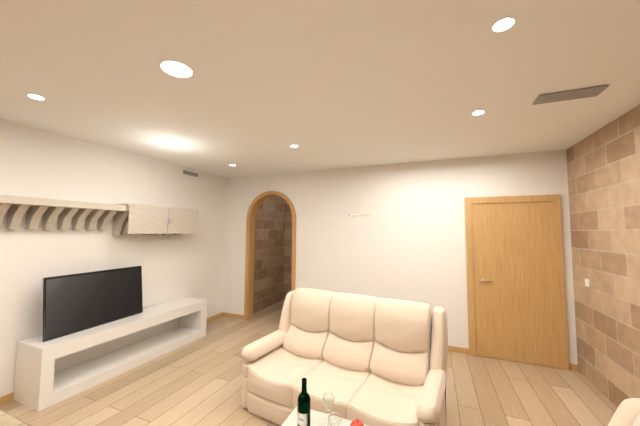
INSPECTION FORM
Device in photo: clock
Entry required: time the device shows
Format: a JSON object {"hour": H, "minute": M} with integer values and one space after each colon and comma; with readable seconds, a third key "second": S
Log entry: {"hour": 10, "minute": 15}
